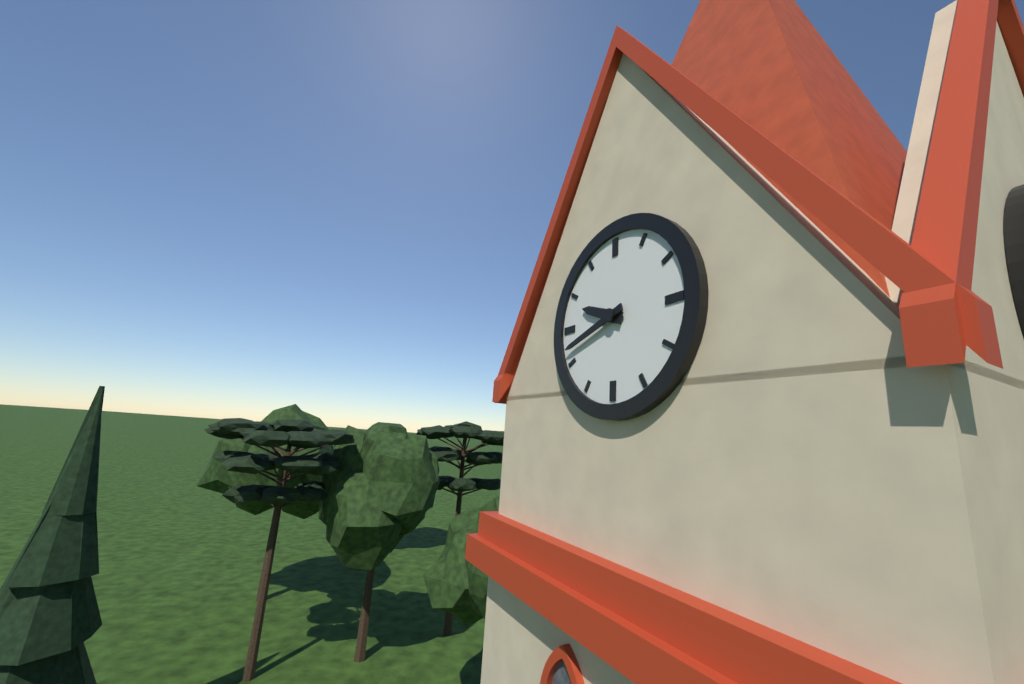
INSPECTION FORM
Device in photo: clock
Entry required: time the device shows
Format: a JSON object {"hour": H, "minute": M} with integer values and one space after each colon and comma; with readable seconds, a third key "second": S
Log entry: {"hour": 9, "minute": 42}
